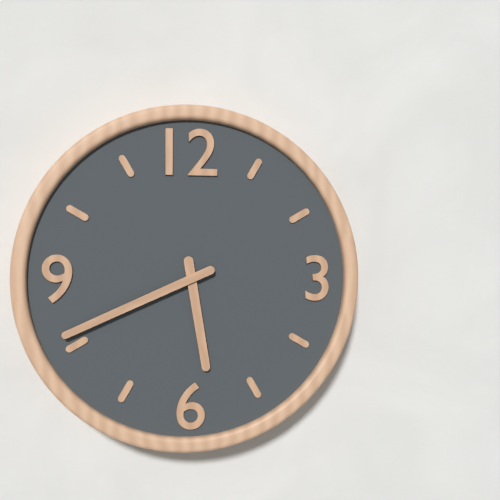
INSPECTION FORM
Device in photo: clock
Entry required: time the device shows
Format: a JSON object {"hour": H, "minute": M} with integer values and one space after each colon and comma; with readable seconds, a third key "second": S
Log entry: {"hour": 5, "minute": 41}
